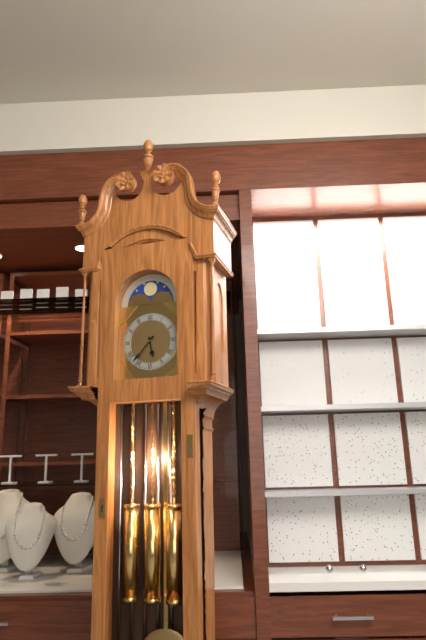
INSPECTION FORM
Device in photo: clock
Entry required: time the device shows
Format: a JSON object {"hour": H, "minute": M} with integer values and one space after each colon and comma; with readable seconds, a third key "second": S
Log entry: {"hour": 5, "minute": 37}
